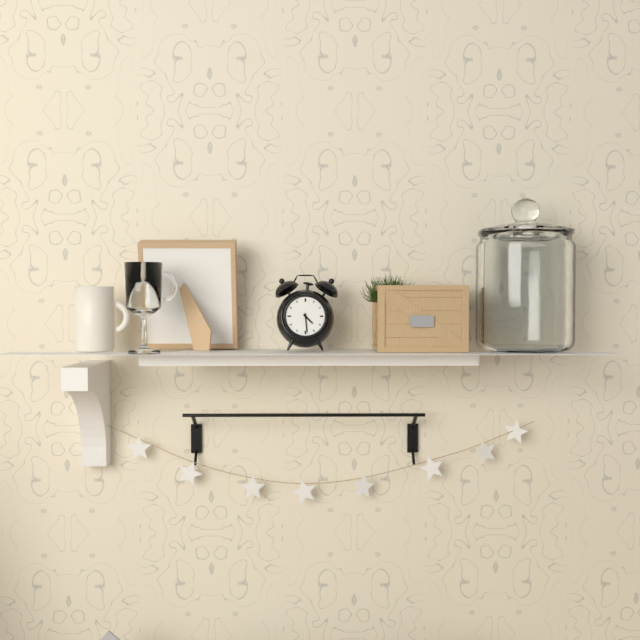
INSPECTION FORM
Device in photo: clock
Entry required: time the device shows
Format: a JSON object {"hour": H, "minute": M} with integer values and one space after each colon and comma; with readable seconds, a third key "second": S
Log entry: {"hour": 4, "minute": 29}
